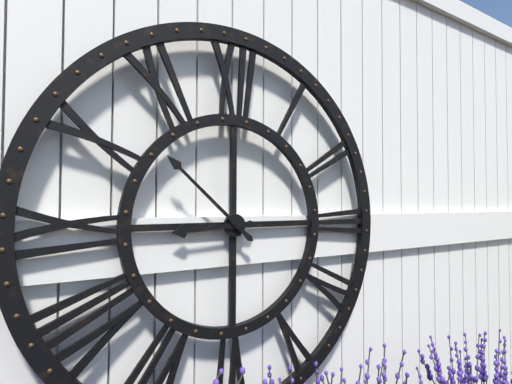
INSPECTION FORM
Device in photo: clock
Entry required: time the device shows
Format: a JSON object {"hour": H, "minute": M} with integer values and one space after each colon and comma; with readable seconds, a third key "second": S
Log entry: {"hour": 8, "minute": 52}
